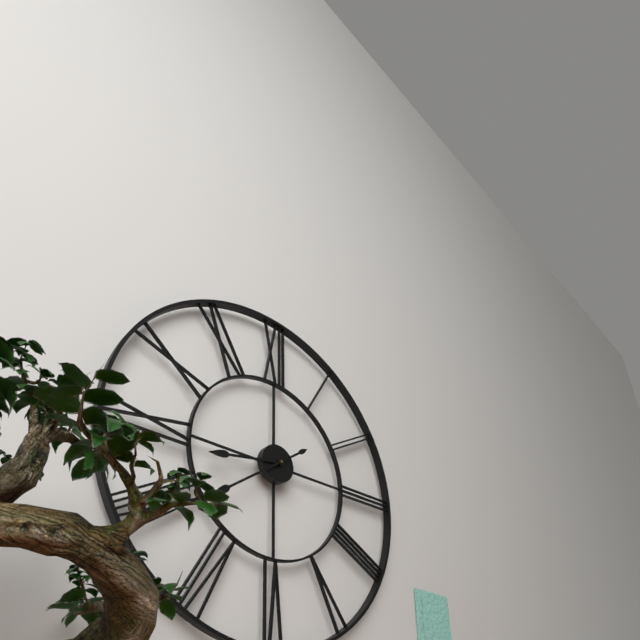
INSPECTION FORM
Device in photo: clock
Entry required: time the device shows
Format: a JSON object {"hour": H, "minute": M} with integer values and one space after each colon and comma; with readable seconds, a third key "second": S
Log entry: {"hour": 8, "minute": 39}
